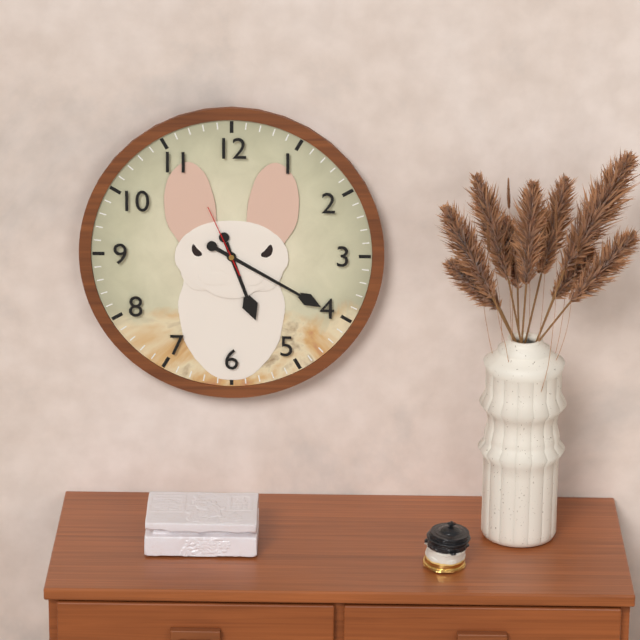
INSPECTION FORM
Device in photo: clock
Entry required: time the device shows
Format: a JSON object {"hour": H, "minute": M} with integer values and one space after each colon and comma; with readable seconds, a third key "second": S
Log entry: {"hour": 5, "minute": 20, "second": 56}
